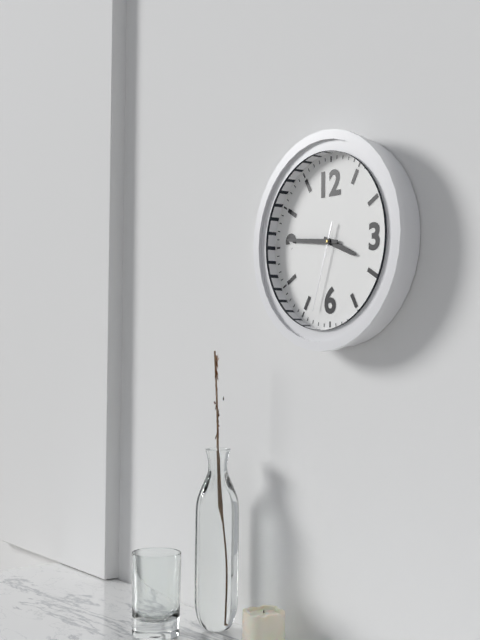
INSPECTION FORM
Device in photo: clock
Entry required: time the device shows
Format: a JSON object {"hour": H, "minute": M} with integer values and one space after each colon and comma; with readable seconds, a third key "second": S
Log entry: {"hour": 3, "minute": 46, "second": 33}
